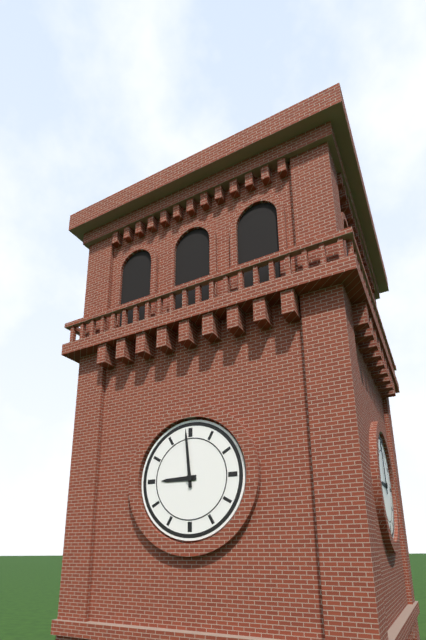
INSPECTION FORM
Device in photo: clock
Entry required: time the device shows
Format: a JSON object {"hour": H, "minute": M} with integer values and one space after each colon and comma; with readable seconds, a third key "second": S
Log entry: {"hour": 8, "minute": 59}
